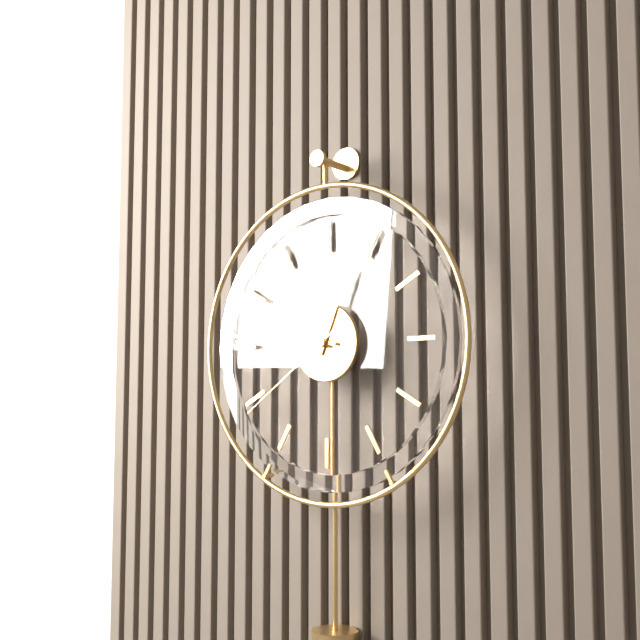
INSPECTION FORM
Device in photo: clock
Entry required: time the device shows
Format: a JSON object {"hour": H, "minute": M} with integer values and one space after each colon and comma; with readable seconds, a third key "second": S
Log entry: {"hour": 12, "minute": 46, "second": 39}
